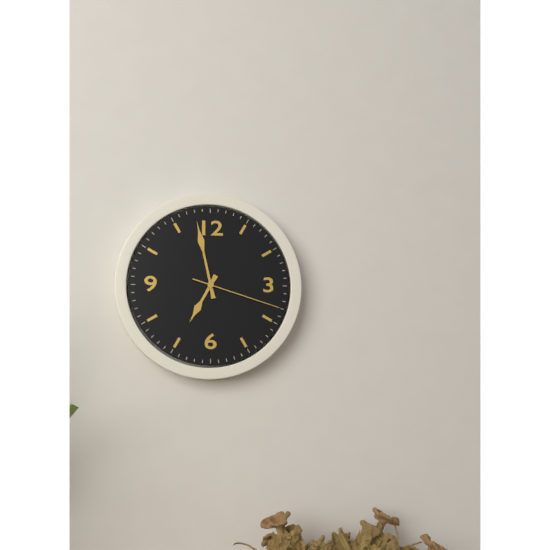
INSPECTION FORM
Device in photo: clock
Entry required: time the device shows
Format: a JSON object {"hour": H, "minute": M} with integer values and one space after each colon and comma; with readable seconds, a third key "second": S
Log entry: {"hour": 6, "minute": 58, "second": 18}
